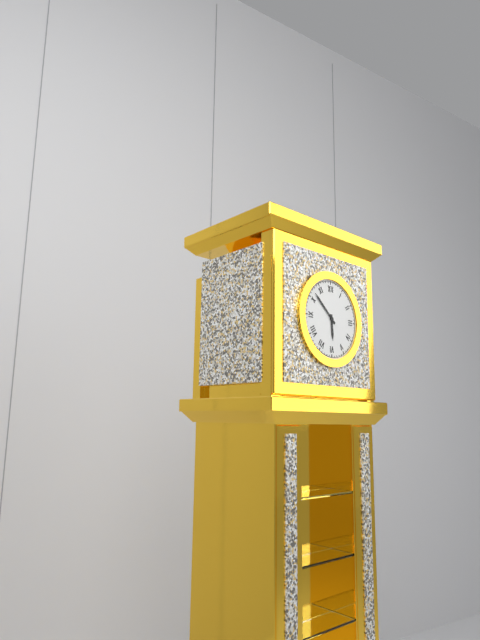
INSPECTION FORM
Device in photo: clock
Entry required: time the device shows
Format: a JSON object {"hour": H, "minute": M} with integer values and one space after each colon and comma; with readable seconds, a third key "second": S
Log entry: {"hour": 5, "minute": 52}
